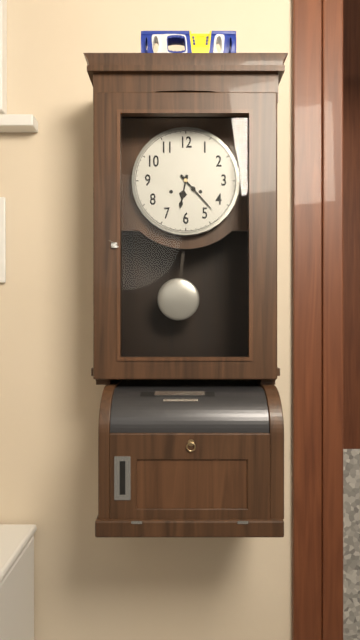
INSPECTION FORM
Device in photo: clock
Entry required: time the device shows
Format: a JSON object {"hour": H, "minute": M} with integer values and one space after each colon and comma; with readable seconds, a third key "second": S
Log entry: {"hour": 6, "minute": 23}
